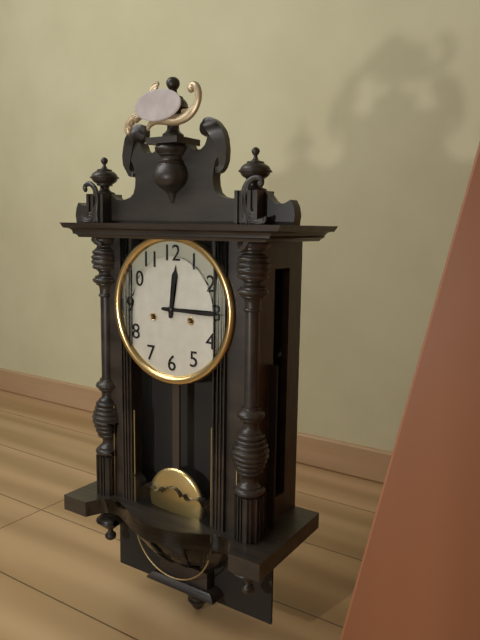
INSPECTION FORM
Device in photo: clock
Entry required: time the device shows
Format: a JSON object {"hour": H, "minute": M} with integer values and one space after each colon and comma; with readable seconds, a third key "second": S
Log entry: {"hour": 12, "minute": 15}
